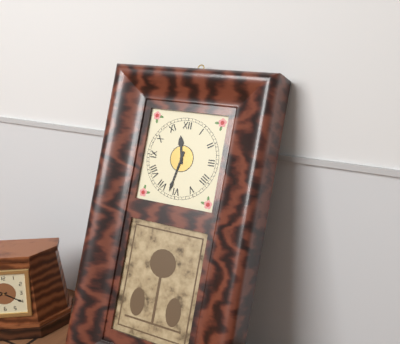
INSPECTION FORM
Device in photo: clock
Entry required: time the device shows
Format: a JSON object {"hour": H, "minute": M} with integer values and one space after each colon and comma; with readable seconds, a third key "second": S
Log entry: {"hour": 11, "minute": 32}
